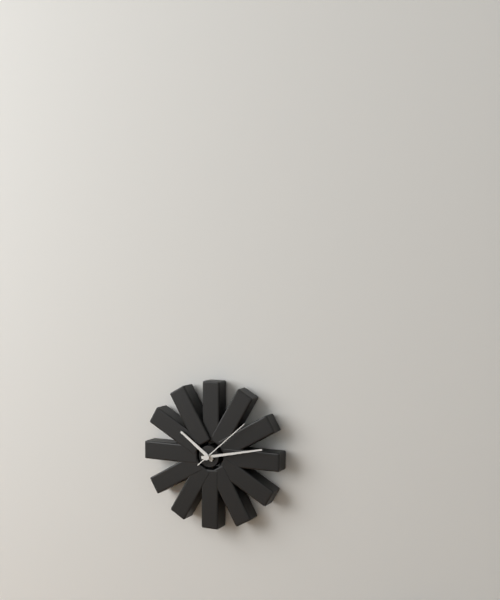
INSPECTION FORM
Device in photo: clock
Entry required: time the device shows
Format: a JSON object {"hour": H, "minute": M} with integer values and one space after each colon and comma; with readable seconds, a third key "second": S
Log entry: {"hour": 10, "minute": 13, "second": 8}
